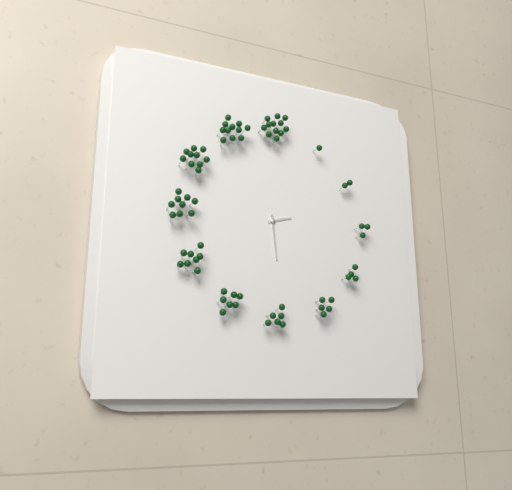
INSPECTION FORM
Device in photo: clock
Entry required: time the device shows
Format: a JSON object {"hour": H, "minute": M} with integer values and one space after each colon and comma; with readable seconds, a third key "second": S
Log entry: {"hour": 2, "minute": 29}
